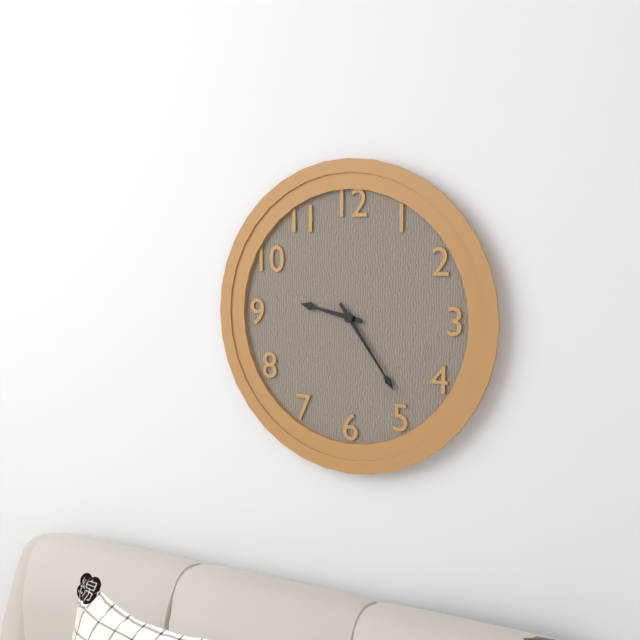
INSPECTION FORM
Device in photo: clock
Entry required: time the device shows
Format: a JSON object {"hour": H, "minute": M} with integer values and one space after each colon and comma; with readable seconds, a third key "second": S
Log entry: {"hour": 9, "minute": 24}
